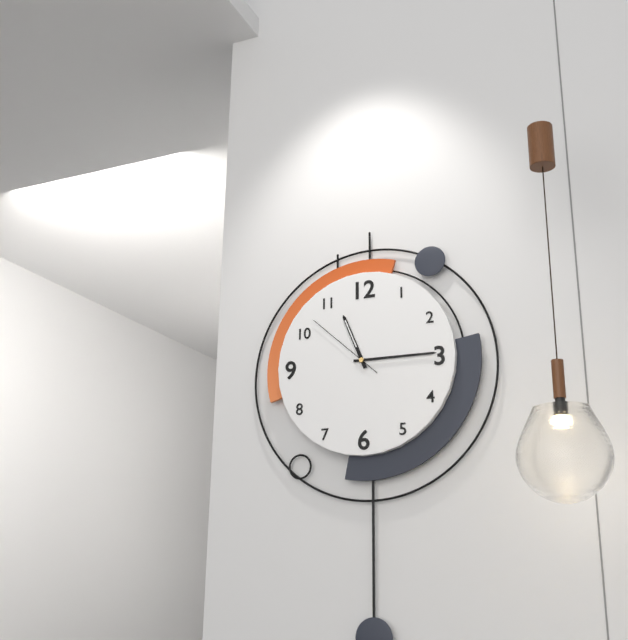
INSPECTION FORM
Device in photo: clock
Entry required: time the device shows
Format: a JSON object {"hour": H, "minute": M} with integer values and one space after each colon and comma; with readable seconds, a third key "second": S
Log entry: {"hour": 11, "minute": 15, "second": 52}
